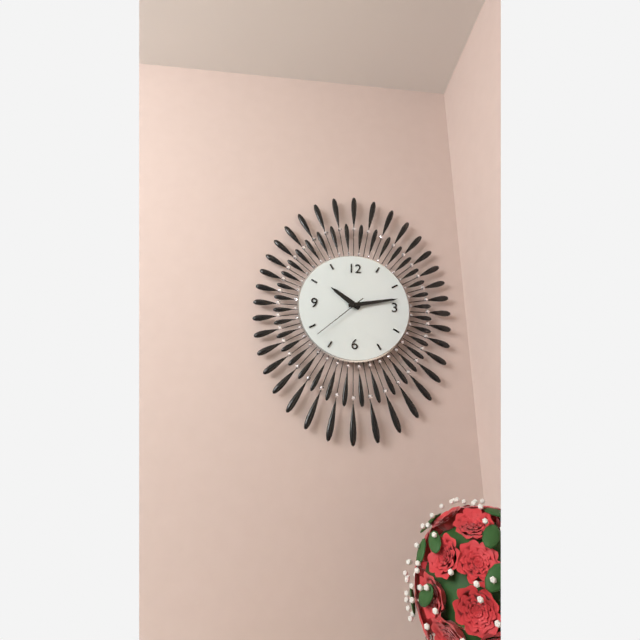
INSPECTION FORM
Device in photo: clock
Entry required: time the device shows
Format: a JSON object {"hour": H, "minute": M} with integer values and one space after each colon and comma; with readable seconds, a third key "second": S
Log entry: {"hour": 10, "minute": 13, "second": 38}
